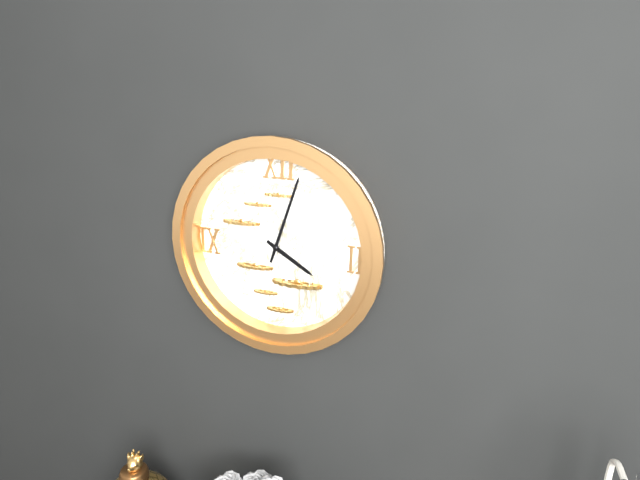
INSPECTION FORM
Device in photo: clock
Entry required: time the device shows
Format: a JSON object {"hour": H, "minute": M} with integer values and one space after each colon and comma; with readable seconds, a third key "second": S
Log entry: {"hour": 4, "minute": 3}
